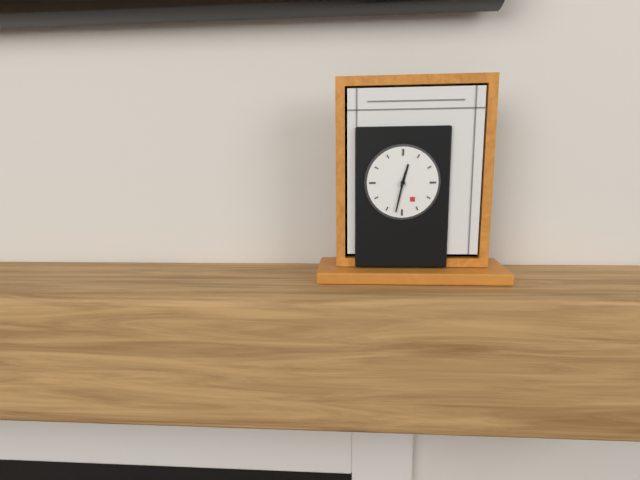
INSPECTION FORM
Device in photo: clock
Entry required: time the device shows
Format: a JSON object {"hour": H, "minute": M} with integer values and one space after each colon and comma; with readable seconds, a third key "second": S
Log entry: {"hour": 12, "minute": 32}
